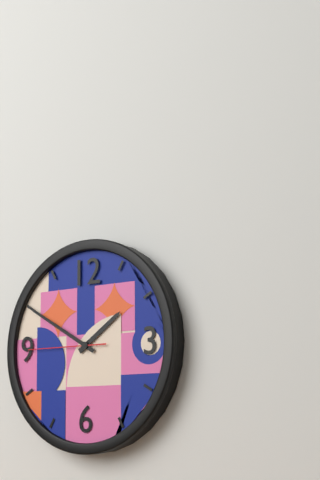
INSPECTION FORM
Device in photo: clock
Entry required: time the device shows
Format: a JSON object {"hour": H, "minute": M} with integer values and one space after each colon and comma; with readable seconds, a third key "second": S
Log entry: {"hour": 1, "minute": 50, "second": 45}
